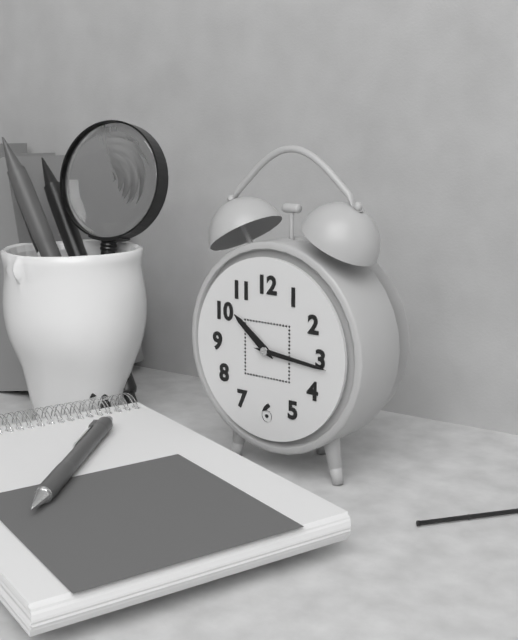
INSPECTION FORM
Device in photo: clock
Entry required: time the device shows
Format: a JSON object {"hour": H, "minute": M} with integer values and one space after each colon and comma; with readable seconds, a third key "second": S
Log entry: {"hour": 10, "minute": 16}
